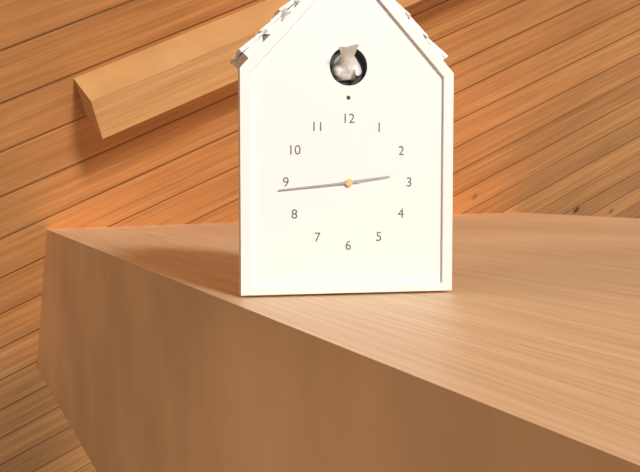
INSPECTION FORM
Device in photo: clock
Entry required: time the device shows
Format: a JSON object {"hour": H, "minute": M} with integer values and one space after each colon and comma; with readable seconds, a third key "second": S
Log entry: {"hour": 2, "minute": 44}
